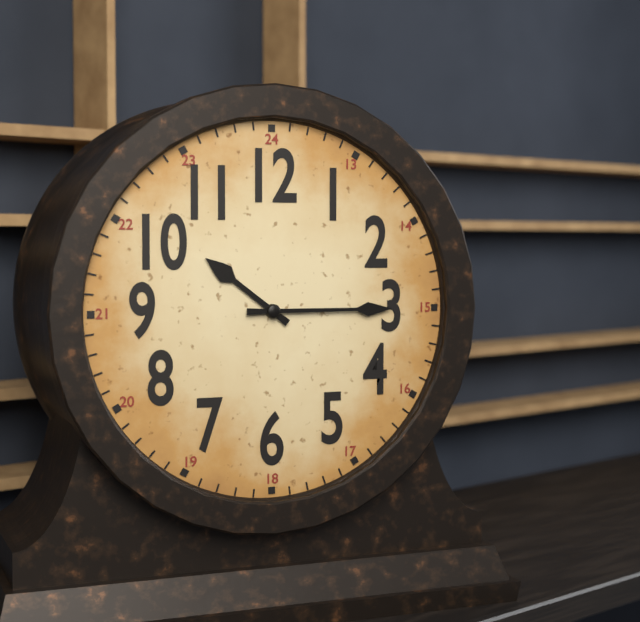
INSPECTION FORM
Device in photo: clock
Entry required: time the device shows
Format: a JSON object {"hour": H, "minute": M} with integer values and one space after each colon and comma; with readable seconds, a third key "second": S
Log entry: {"hour": 10, "minute": 15}
